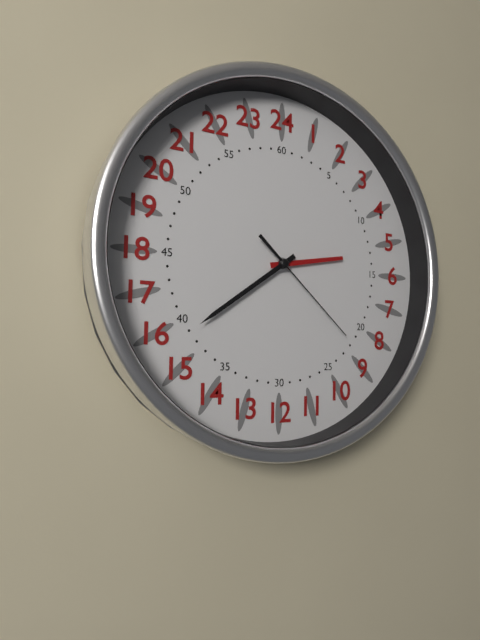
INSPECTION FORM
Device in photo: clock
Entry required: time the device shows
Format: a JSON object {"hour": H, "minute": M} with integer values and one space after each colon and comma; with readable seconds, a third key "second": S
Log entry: {"hour": 2, "minute": 39, "second": 22}
